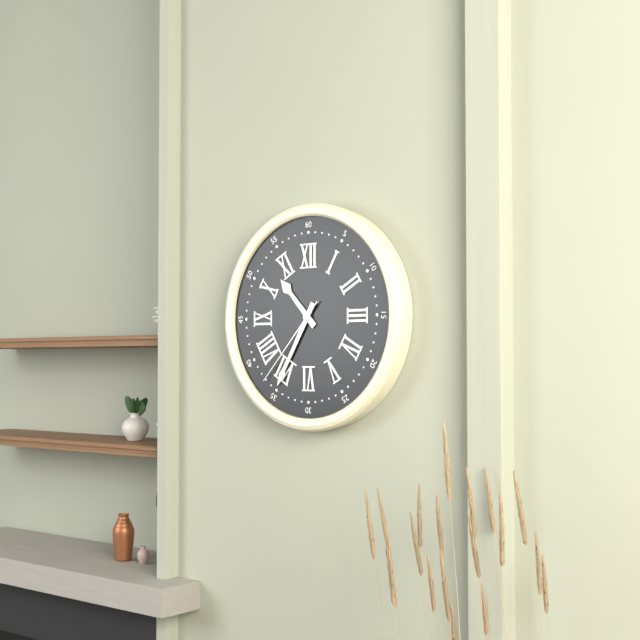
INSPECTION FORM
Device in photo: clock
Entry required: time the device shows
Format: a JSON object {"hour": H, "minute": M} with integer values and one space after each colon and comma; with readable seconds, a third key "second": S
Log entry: {"hour": 10, "minute": 35, "second": 37}
